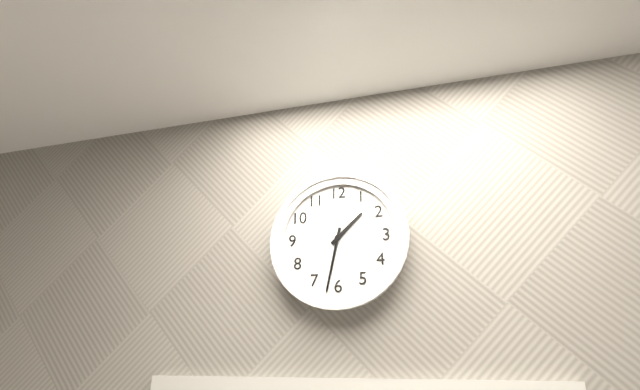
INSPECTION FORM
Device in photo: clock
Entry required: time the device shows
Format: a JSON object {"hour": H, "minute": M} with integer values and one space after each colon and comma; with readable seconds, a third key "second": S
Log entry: {"hour": 1, "minute": 32}
